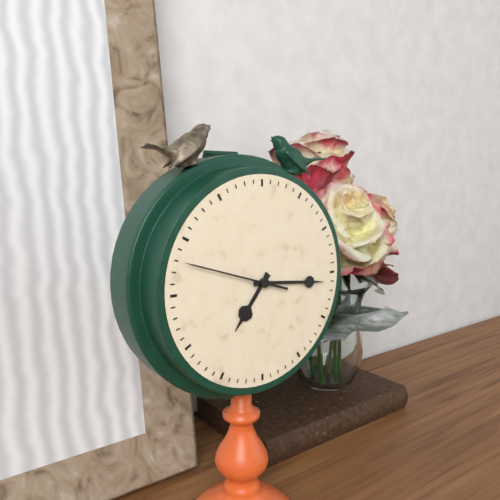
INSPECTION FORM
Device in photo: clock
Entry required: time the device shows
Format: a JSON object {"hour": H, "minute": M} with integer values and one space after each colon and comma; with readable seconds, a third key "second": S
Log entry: {"hour": 7, "minute": 16, "second": 48}
